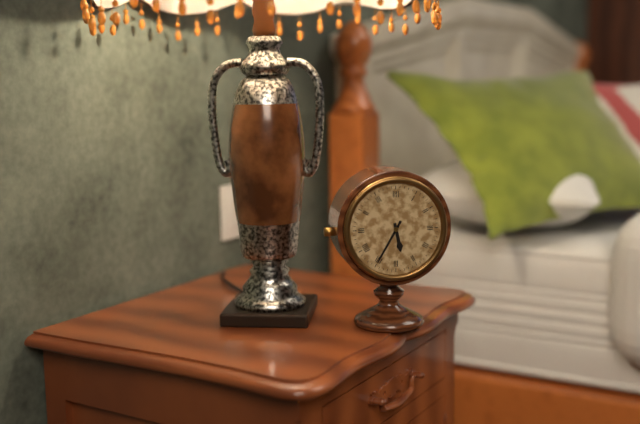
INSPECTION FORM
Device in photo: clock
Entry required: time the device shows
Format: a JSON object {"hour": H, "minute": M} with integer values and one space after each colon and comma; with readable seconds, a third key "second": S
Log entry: {"hour": 5, "minute": 35}
